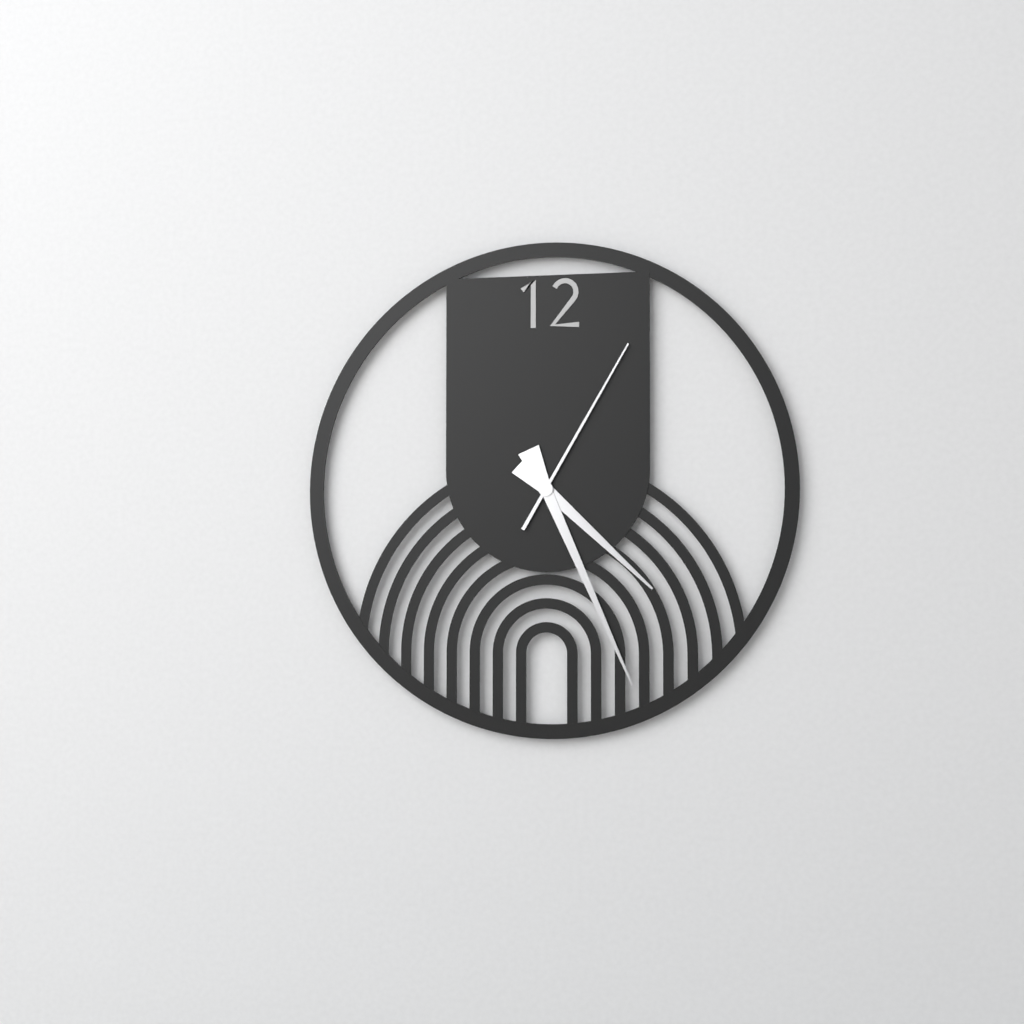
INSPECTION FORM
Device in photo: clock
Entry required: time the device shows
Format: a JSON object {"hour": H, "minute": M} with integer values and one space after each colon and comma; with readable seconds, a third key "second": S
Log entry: {"hour": 4, "minute": 26, "second": 5}
